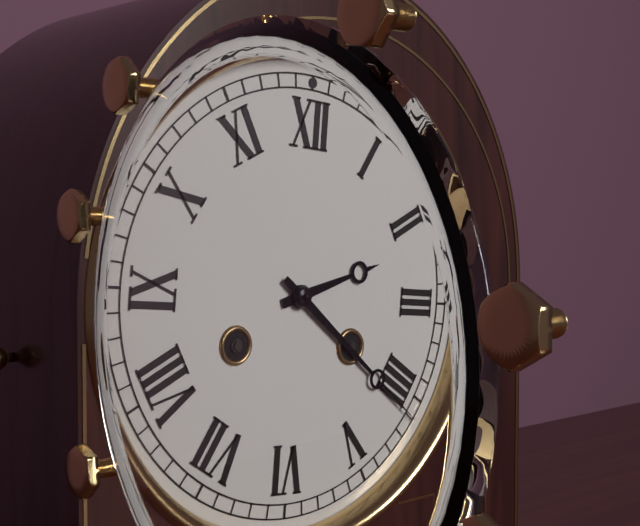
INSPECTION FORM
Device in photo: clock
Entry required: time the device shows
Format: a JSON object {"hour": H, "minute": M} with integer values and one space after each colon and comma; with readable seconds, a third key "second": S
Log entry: {"hour": 2, "minute": 21}
